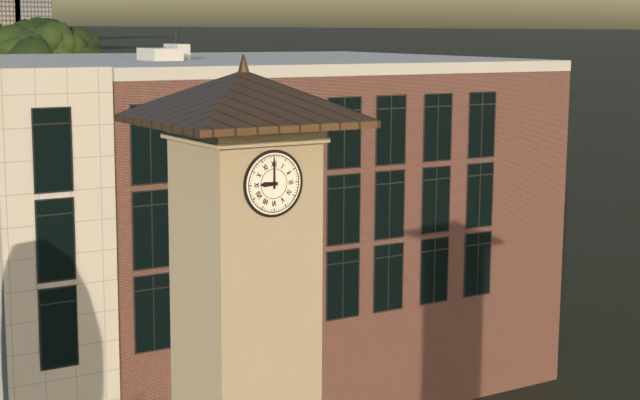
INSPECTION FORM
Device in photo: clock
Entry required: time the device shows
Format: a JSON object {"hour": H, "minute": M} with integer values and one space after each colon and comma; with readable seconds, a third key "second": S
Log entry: {"hour": 9, "minute": 0}
